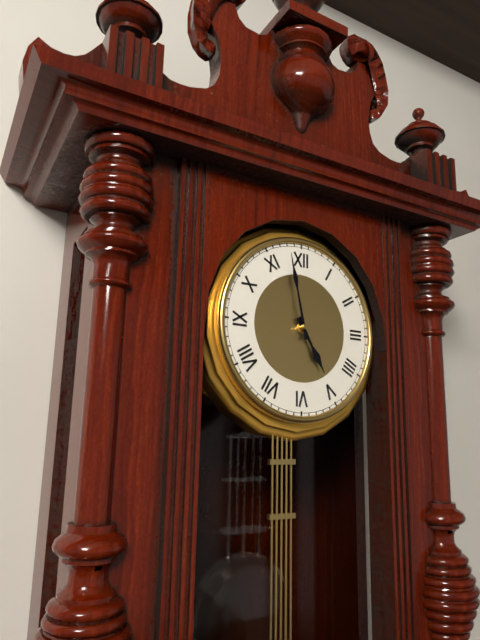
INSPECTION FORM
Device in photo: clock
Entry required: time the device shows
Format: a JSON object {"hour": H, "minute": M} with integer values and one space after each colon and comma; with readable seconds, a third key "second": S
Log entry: {"hour": 4, "minute": 58}
